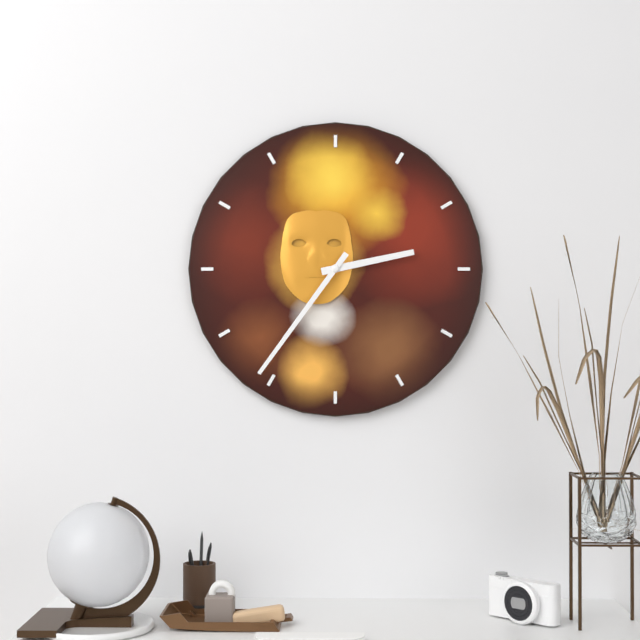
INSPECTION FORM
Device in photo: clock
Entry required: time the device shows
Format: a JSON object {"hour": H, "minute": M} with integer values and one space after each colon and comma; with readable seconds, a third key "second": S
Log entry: {"hour": 2, "minute": 36}
